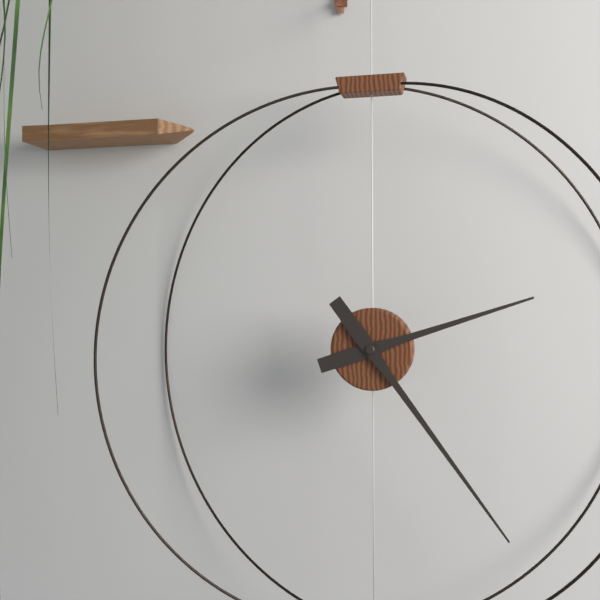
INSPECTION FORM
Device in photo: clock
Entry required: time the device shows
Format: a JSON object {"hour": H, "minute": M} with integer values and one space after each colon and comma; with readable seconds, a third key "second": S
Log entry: {"hour": 2, "minute": 24}
